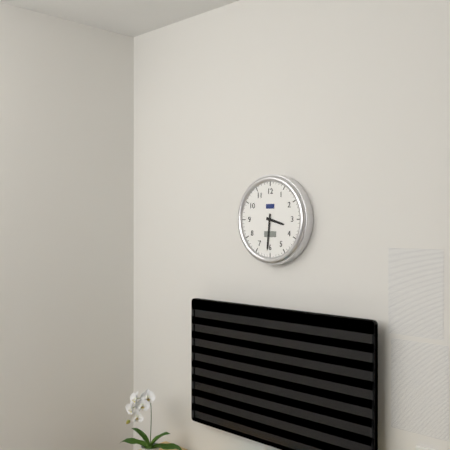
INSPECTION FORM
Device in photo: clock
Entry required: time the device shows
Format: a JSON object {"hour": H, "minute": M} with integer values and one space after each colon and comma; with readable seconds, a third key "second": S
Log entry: {"hour": 3, "minute": 31}
